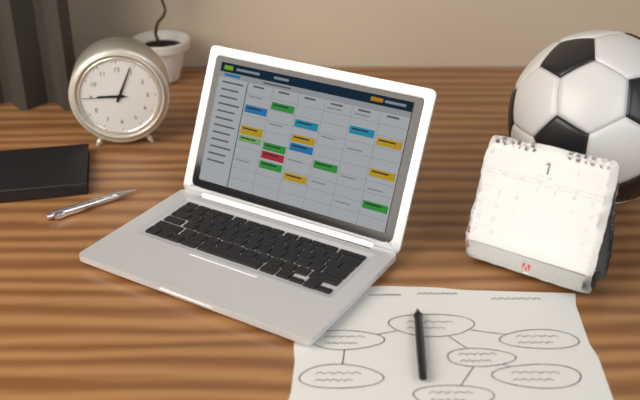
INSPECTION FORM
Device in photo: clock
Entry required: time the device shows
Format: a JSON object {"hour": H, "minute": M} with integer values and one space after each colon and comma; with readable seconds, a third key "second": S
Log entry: {"hour": 9, "minute": 4}
